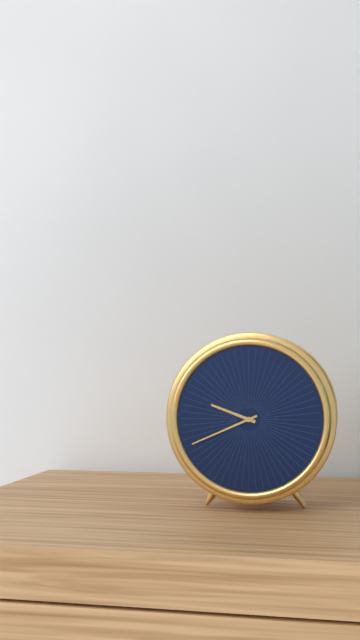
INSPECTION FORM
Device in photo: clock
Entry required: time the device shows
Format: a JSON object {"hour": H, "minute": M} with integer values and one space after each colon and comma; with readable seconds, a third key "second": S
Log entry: {"hour": 9, "minute": 41}
